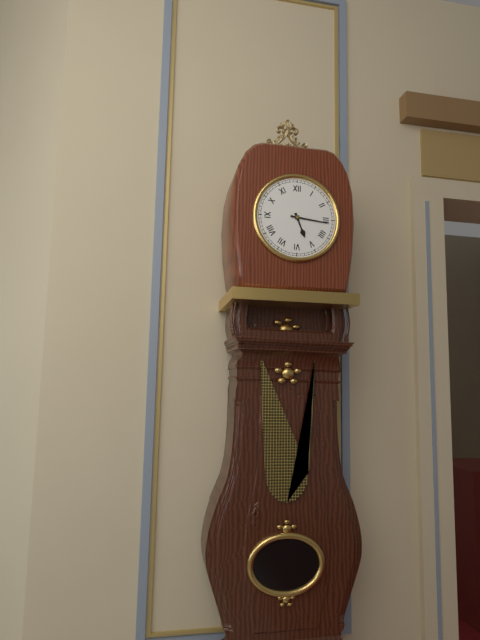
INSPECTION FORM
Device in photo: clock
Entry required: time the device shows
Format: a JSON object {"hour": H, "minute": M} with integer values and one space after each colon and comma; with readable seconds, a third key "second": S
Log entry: {"hour": 5, "minute": 16}
